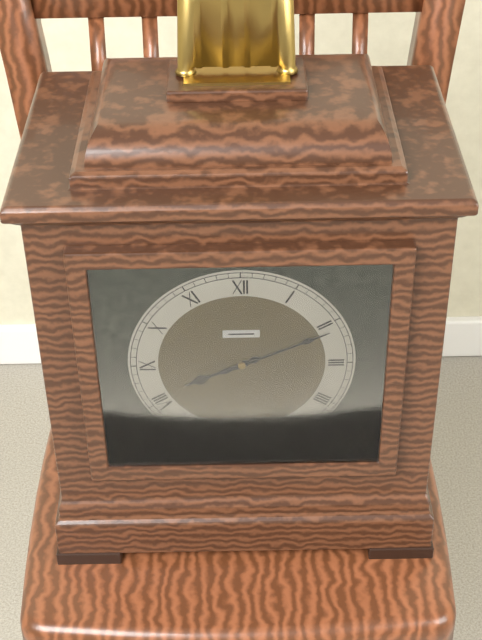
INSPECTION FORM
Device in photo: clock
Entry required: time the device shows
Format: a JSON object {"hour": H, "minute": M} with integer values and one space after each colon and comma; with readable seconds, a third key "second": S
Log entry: {"hour": 8, "minute": 11}
